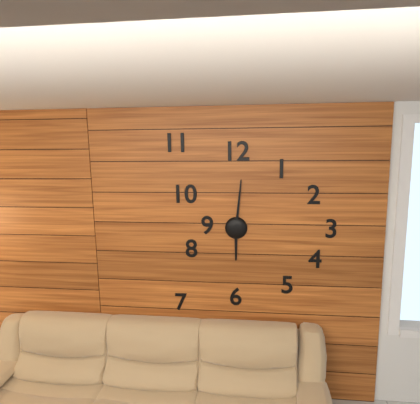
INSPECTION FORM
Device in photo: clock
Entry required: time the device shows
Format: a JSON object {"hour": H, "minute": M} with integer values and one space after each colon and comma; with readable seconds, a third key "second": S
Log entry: {"hour": 6, "minute": 1}
